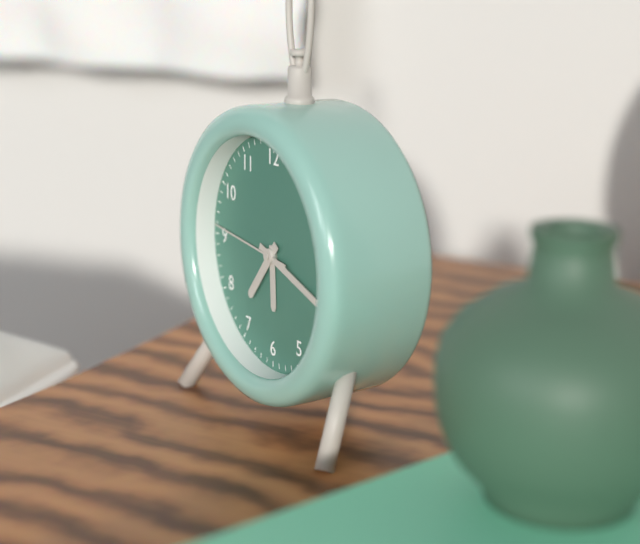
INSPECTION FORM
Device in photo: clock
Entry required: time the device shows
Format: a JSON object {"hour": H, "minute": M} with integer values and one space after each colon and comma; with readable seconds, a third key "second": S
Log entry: {"hour": 7, "minute": 18, "second": 46}
